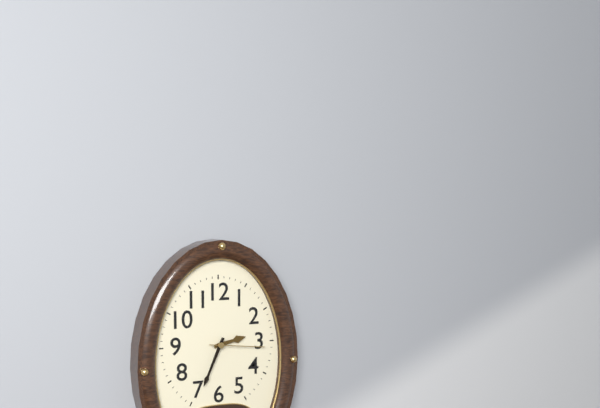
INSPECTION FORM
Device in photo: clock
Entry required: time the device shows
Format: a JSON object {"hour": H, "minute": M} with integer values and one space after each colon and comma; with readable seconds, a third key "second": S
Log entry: {"hour": 2, "minute": 34, "second": 16}
